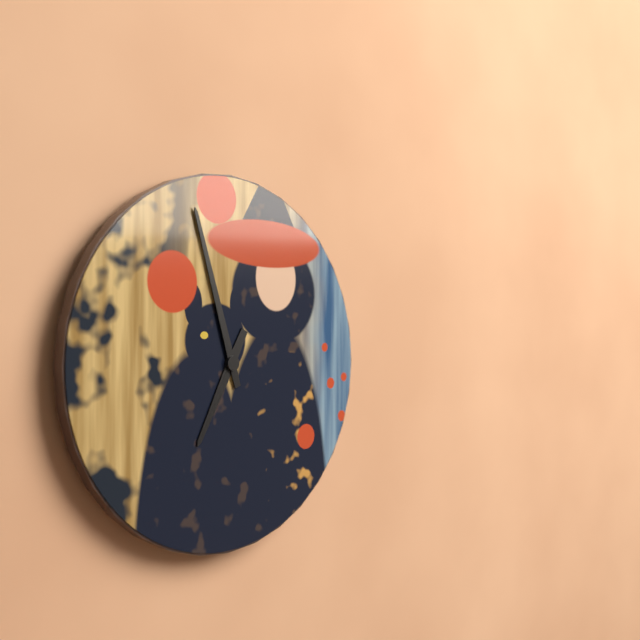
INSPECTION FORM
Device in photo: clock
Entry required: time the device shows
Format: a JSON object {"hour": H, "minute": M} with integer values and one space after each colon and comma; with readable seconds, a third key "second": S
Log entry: {"hour": 6, "minute": 57}
